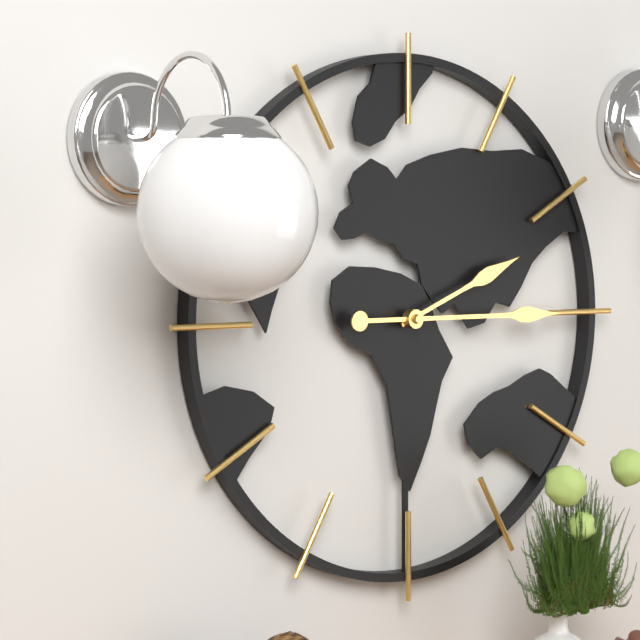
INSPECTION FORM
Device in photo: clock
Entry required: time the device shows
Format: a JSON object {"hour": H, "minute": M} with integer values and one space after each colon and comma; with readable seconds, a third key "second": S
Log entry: {"hour": 2, "minute": 15}
